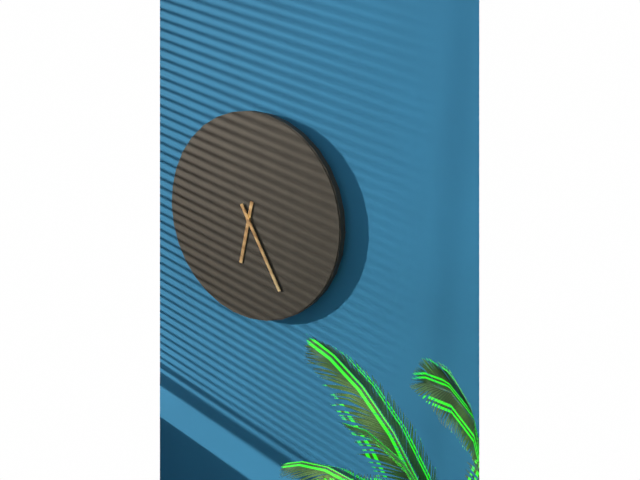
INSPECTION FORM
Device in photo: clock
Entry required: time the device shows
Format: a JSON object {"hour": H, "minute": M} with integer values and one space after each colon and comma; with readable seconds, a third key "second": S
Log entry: {"hour": 6, "minute": 25}
